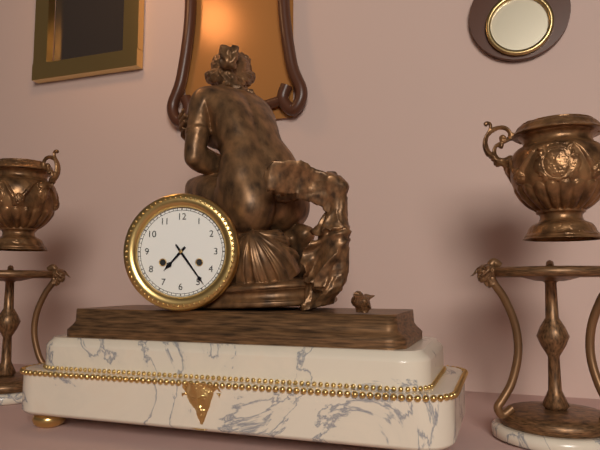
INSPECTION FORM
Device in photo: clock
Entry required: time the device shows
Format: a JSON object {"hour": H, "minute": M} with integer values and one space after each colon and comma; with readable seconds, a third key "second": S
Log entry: {"hour": 7, "minute": 24}
